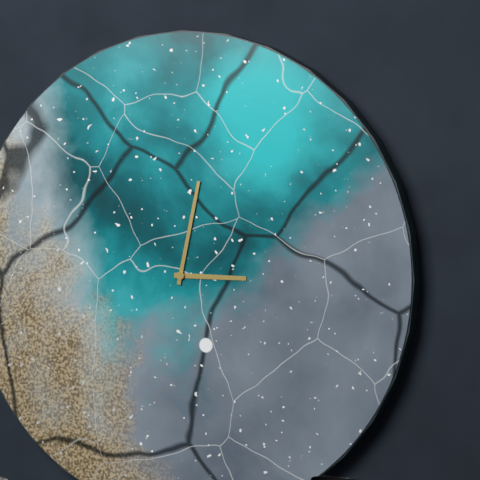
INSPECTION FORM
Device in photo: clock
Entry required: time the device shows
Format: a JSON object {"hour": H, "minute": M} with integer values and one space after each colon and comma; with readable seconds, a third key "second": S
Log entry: {"hour": 3, "minute": 2}
